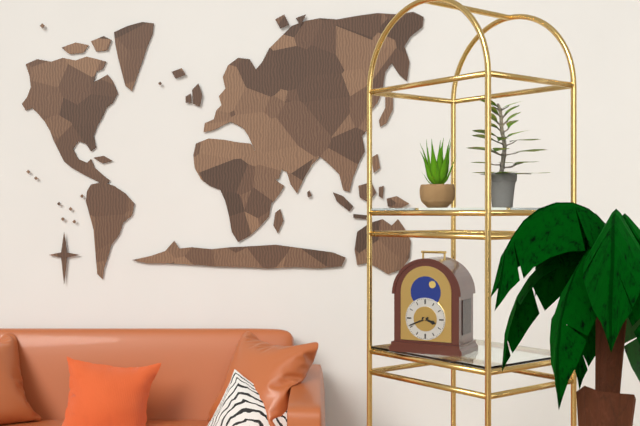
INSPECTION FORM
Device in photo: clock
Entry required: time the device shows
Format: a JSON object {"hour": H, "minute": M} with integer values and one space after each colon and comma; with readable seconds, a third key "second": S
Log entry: {"hour": 3, "minute": 41}
